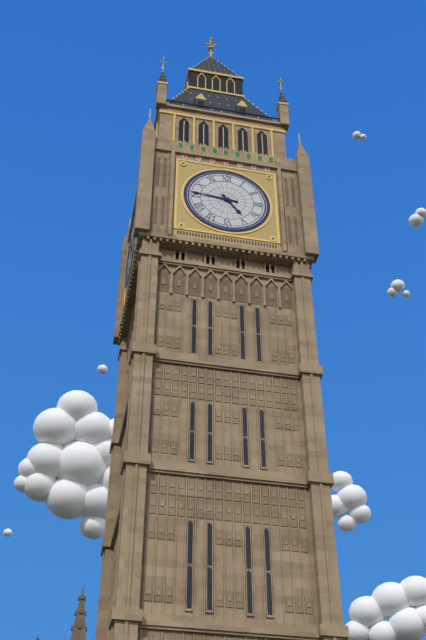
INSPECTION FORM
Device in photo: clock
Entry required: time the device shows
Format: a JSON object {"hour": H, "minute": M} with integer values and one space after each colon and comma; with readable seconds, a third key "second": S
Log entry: {"hour": 4, "minute": 46}
